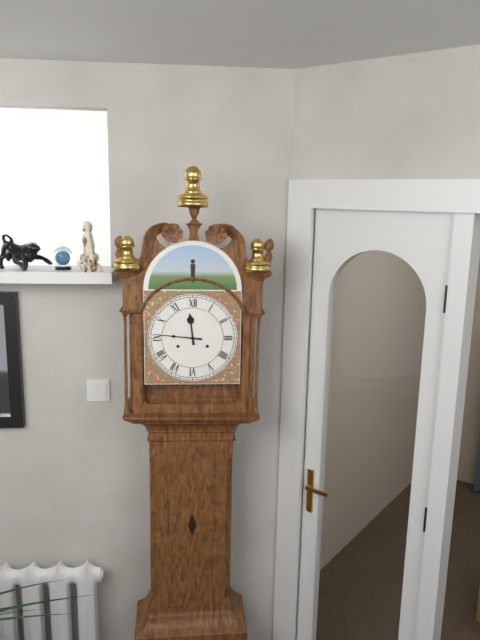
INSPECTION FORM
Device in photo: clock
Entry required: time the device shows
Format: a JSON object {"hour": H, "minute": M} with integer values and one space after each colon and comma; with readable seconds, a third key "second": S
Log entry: {"hour": 11, "minute": 46}
